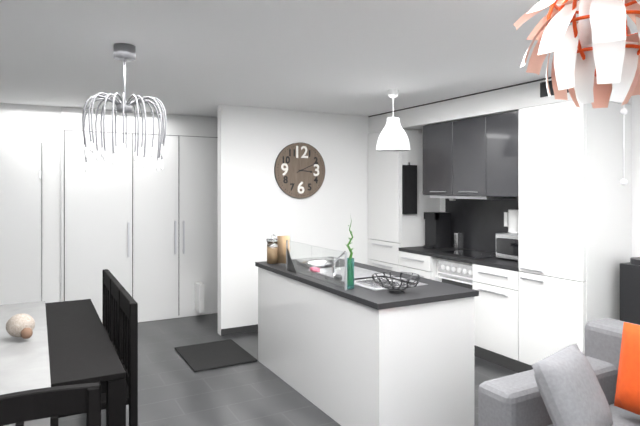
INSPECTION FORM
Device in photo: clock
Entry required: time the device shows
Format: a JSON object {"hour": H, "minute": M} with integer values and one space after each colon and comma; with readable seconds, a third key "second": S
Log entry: {"hour": 3, "minute": 11}
